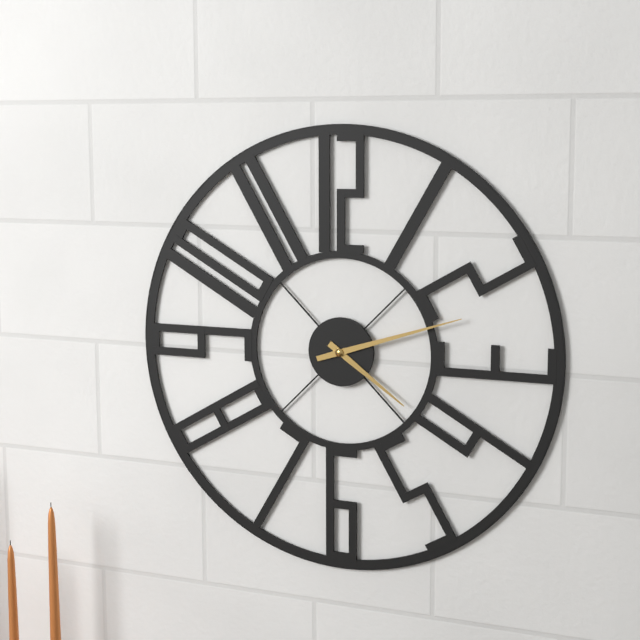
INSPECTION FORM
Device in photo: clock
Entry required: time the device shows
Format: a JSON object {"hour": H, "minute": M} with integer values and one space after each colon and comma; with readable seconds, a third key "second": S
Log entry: {"hour": 4, "minute": 12}
